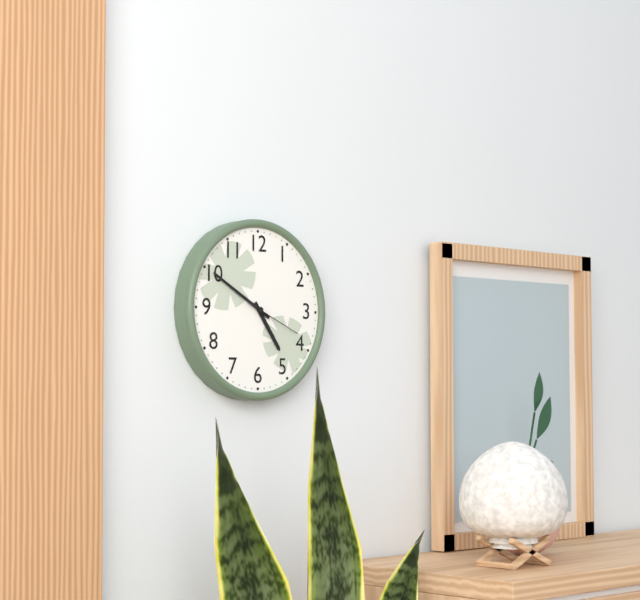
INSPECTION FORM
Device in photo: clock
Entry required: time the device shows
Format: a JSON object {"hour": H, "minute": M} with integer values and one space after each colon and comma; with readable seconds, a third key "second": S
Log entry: {"hour": 4, "minute": 50, "second": 19}
